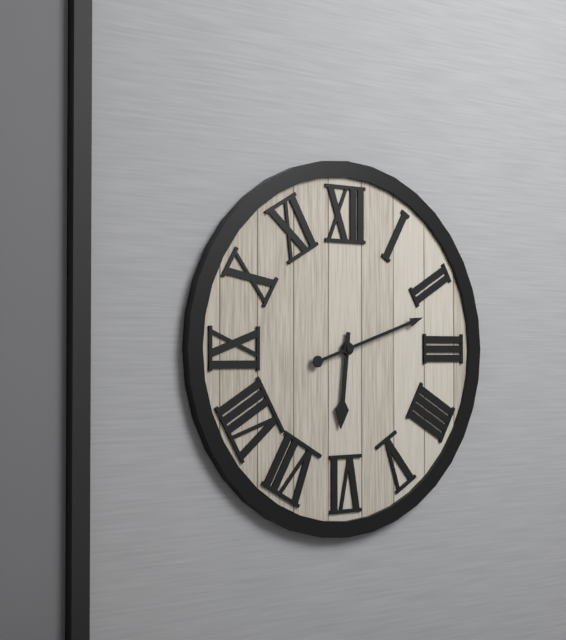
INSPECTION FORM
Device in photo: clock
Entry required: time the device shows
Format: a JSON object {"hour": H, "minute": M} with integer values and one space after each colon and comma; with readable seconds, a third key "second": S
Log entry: {"hour": 6, "minute": 12}
